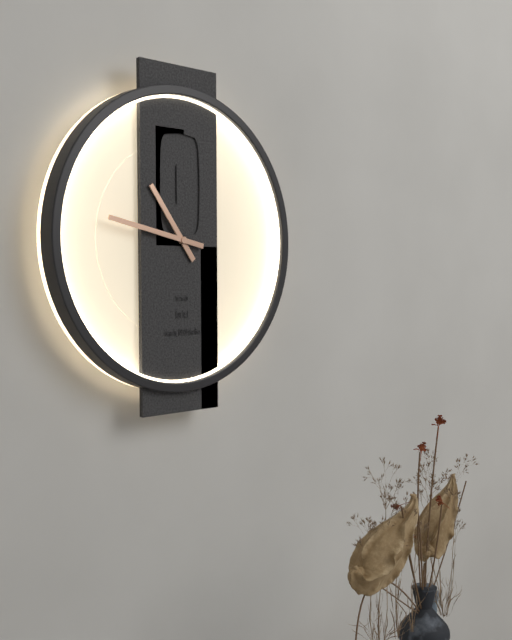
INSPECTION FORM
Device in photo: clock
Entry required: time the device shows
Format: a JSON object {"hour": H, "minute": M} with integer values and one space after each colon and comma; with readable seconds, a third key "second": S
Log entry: {"hour": 10, "minute": 47}
